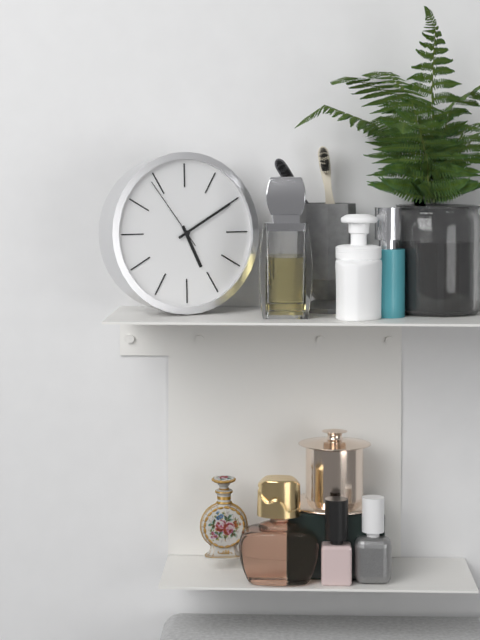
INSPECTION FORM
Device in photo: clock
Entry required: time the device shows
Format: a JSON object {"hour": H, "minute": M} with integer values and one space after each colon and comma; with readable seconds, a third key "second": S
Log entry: {"hour": 5, "minute": 10, "second": 54}
